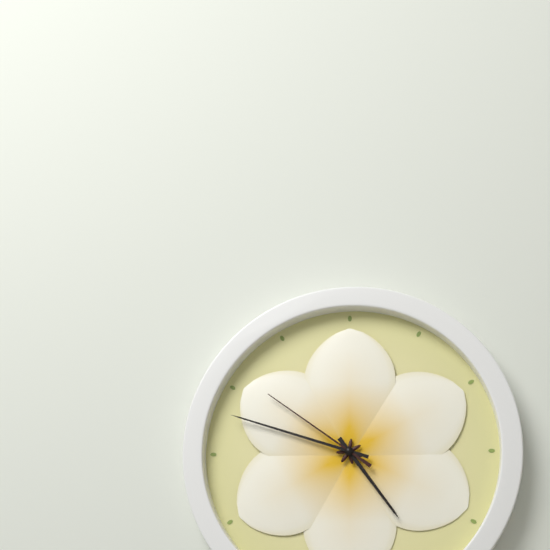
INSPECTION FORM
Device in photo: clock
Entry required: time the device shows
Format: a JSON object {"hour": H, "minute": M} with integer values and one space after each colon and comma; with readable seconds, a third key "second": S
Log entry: {"hour": 4, "minute": 48, "second": 51}
